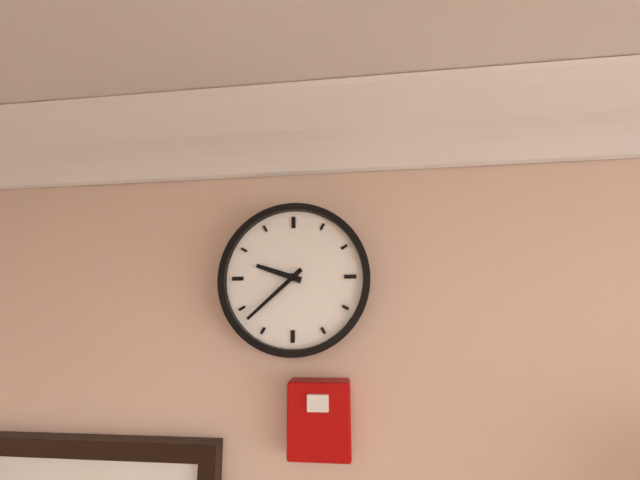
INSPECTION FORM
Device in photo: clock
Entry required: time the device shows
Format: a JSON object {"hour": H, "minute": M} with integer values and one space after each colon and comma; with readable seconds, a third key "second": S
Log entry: {"hour": 9, "minute": 38}
